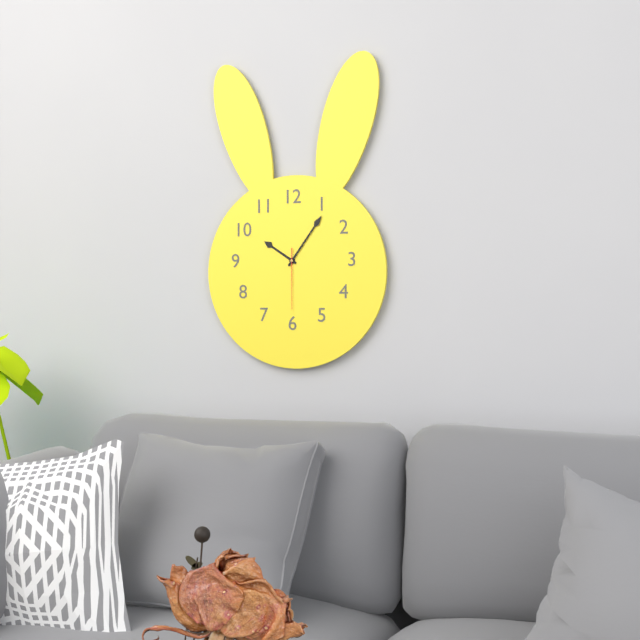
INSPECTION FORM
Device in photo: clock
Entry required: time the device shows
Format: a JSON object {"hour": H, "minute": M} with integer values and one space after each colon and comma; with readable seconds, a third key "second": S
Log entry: {"hour": 10, "minute": 6, "second": 30}
